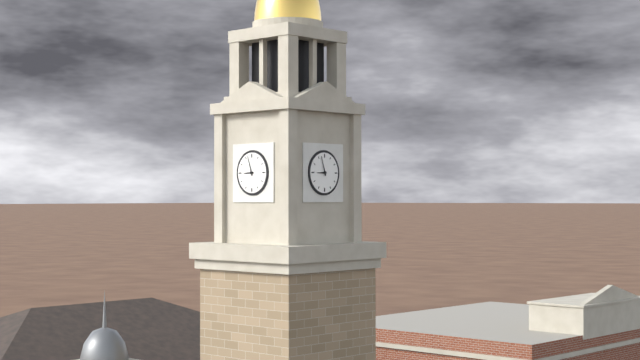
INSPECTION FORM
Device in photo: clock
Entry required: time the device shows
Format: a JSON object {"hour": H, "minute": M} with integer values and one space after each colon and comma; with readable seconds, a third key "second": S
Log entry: {"hour": 8, "minute": 57}
